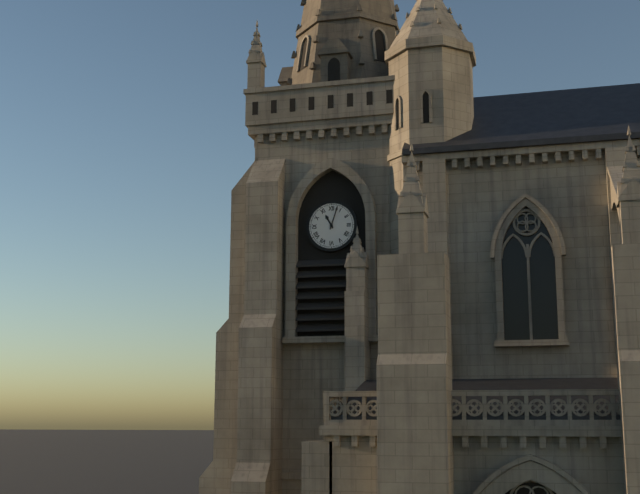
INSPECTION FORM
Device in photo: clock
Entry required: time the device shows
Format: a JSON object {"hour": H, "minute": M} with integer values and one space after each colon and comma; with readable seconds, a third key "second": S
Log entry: {"hour": 11, "minute": 3}
